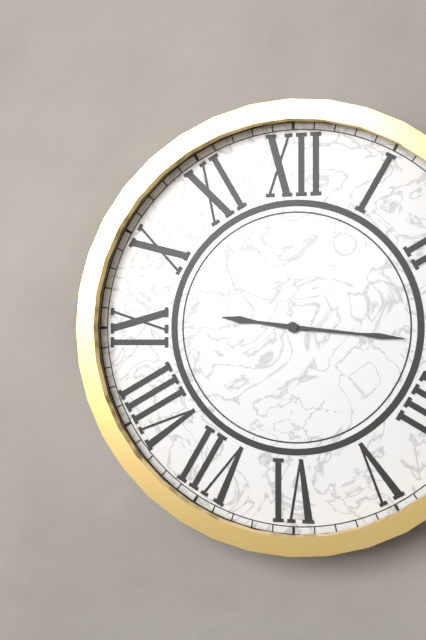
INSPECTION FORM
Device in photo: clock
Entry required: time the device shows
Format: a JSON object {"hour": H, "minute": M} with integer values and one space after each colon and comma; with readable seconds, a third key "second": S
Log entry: {"hour": 9, "minute": 16}
